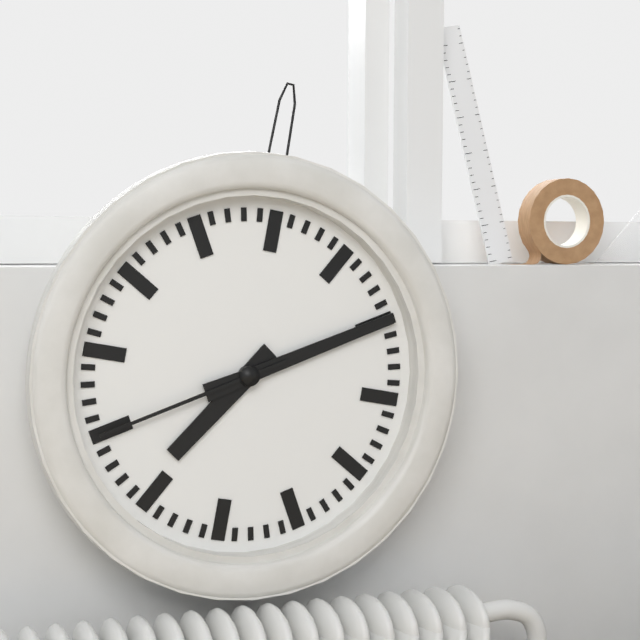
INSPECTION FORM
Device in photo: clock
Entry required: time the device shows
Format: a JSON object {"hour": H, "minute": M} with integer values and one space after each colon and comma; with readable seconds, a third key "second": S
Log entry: {"hour": 7, "minute": 10, "second": 40}
